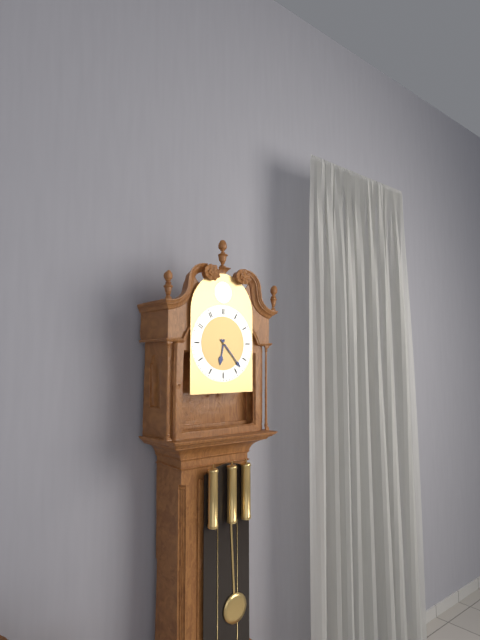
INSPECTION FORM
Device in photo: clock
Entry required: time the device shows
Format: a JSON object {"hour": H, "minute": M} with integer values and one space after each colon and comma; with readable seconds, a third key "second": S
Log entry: {"hour": 6, "minute": 23}
